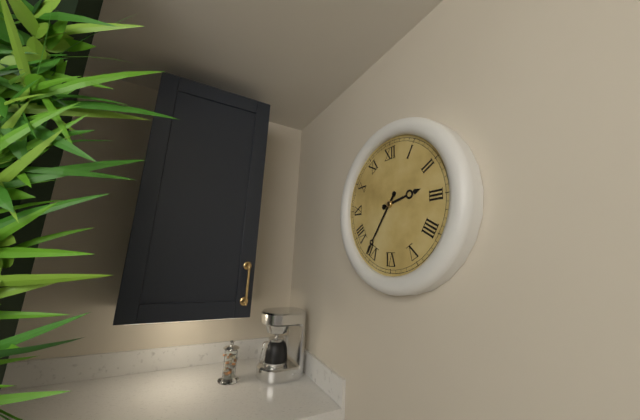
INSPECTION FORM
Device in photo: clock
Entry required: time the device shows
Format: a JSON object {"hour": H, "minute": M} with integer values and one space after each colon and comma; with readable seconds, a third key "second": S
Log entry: {"hour": 2, "minute": 36}
